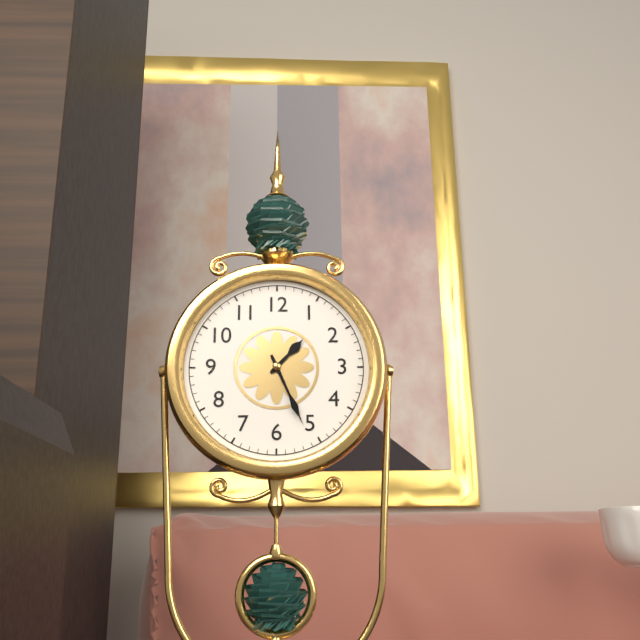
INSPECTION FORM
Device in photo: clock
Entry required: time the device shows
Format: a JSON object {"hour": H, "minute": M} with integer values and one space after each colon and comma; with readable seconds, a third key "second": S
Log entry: {"hour": 1, "minute": 26}
